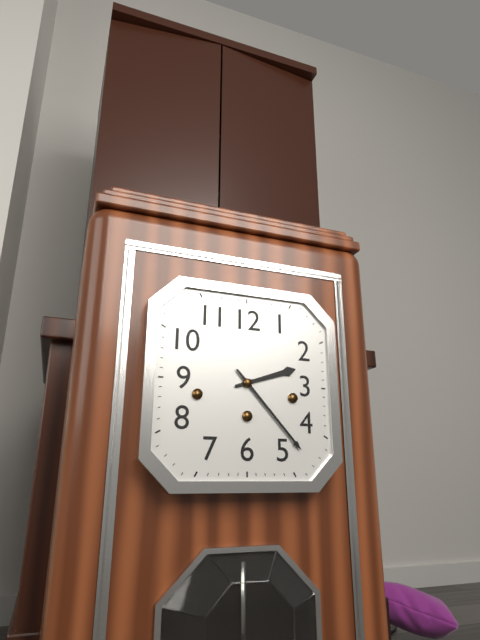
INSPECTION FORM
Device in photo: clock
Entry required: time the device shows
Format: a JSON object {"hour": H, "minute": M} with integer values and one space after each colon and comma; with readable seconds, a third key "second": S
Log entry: {"hour": 2, "minute": 23}
